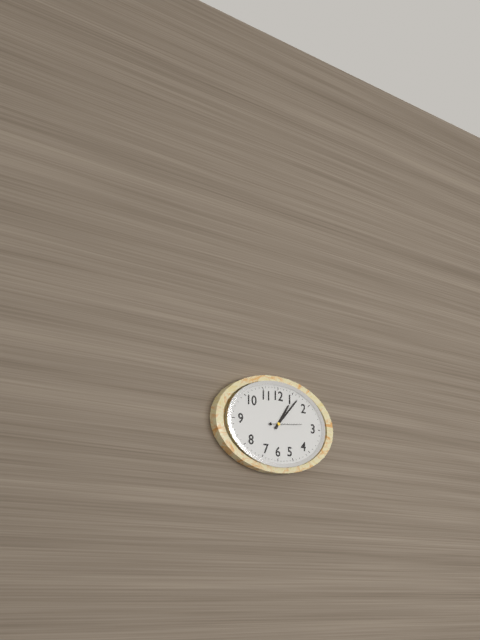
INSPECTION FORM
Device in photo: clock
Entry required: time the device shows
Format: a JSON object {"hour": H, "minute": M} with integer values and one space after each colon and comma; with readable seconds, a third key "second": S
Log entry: {"hour": 1, "minute": 7}
